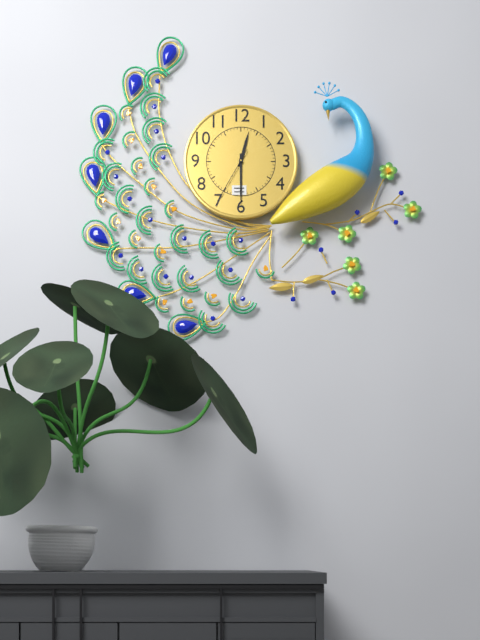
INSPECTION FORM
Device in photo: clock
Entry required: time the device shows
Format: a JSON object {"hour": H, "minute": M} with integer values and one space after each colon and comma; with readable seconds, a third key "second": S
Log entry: {"hour": 12, "minute": 30}
